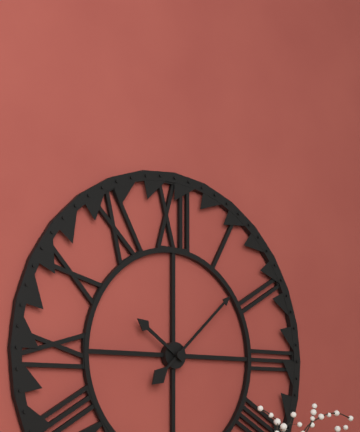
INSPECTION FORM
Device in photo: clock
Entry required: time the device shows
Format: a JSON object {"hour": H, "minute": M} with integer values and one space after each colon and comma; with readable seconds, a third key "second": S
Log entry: {"hour": 10, "minute": 8}
